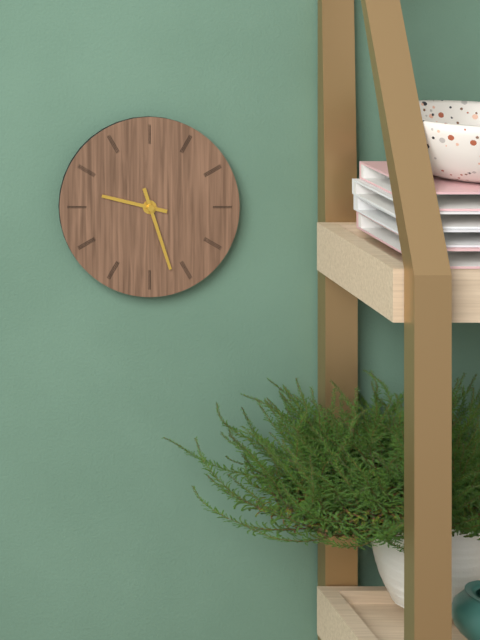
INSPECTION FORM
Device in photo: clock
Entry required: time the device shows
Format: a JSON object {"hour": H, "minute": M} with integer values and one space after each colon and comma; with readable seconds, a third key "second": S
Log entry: {"hour": 9, "minute": 27}
